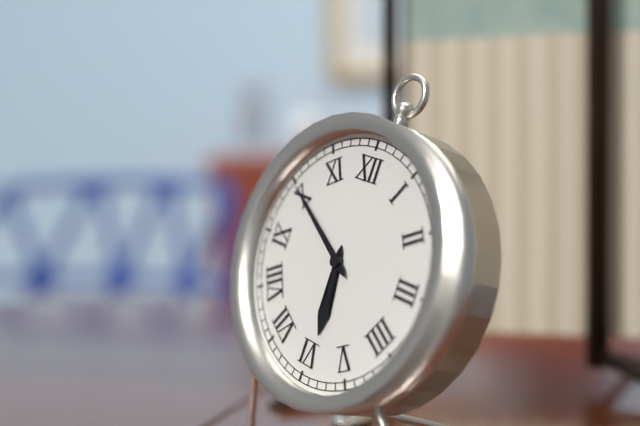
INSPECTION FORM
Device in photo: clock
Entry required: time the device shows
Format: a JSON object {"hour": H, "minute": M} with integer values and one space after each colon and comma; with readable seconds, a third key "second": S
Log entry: {"hour": 5, "minute": 50}
